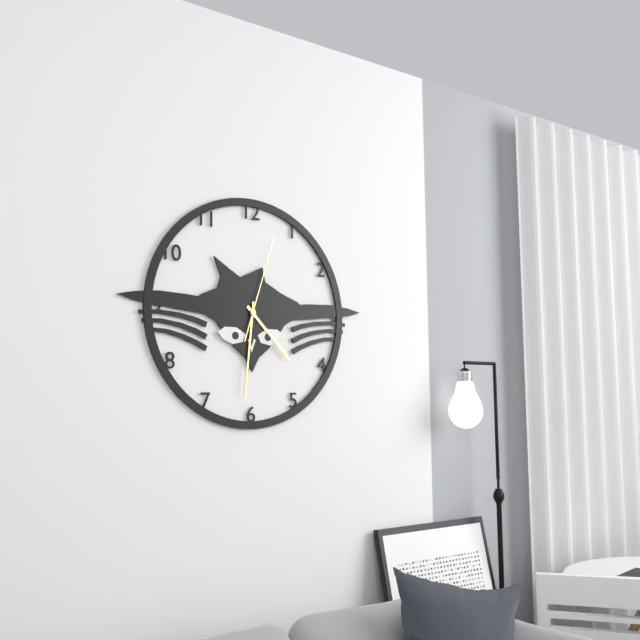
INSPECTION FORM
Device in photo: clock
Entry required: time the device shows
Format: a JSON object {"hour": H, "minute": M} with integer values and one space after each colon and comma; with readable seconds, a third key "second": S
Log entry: {"hour": 4, "minute": 31, "second": 3}
